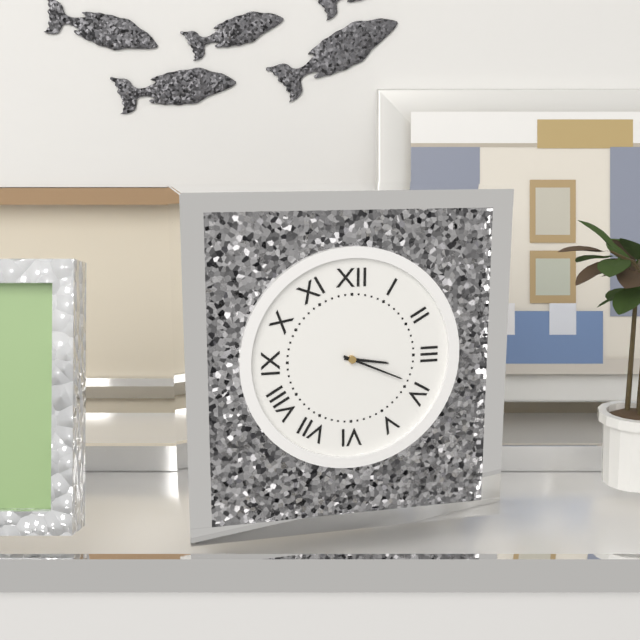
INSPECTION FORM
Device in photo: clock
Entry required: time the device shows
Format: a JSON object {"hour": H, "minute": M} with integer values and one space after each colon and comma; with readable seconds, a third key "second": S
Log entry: {"hour": 3, "minute": 19}
